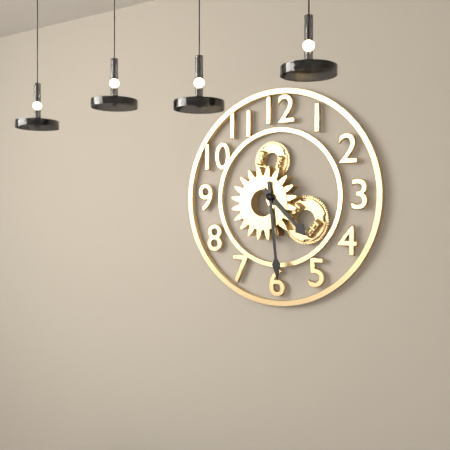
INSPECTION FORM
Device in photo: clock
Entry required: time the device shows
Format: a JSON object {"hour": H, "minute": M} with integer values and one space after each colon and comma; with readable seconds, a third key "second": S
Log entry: {"hour": 4, "minute": 29}
